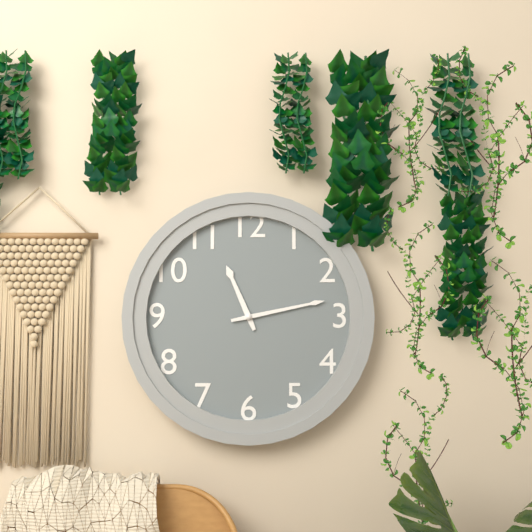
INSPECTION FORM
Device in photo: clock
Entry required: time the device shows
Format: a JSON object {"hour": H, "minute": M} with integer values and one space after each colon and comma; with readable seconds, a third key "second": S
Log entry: {"hour": 11, "minute": 13}
